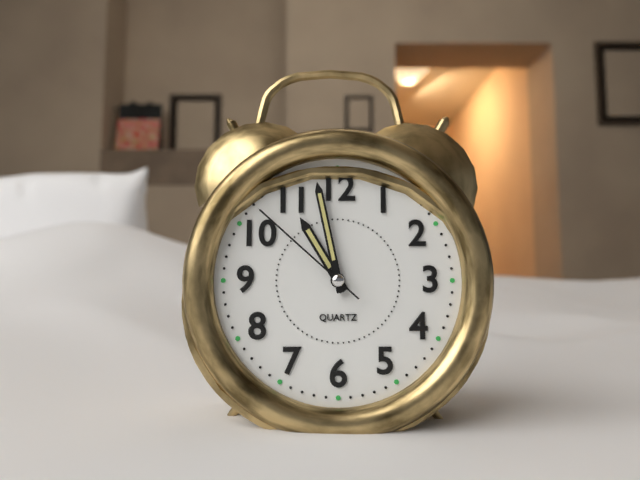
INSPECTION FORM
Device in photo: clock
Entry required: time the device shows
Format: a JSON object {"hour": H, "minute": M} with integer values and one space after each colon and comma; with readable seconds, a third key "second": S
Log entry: {"hour": 10, "minute": 58, "second": 52}
